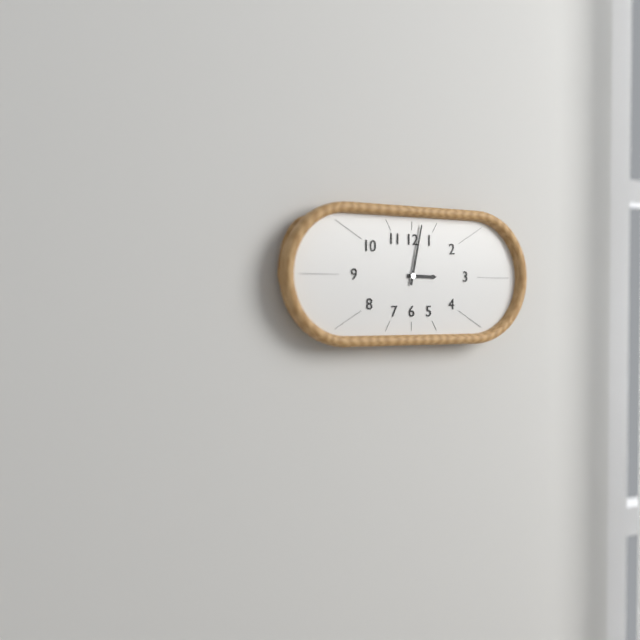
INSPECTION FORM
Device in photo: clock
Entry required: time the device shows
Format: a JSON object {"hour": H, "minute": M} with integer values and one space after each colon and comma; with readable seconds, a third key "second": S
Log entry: {"hour": 3, "minute": 2}
